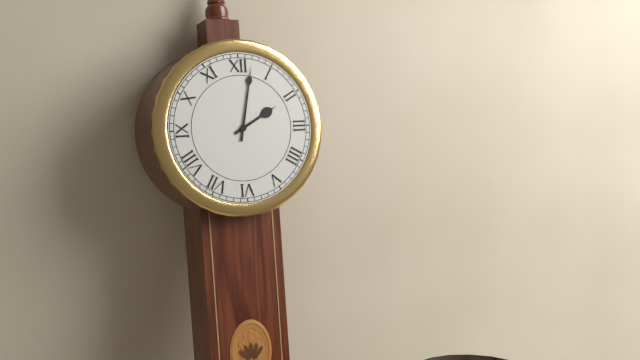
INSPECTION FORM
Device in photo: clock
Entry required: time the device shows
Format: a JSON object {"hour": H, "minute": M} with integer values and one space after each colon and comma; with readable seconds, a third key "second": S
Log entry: {"hour": 2, "minute": 2}
